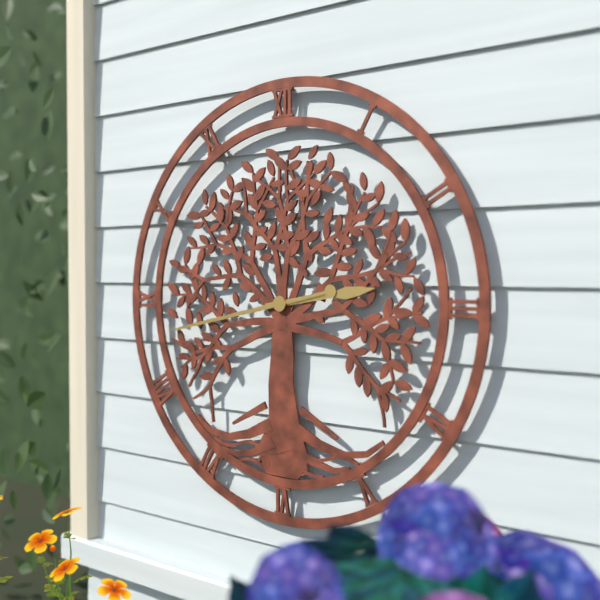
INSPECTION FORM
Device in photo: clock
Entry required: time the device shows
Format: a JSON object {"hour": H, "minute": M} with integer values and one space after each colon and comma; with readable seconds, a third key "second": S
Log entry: {"hour": 2, "minute": 43}
